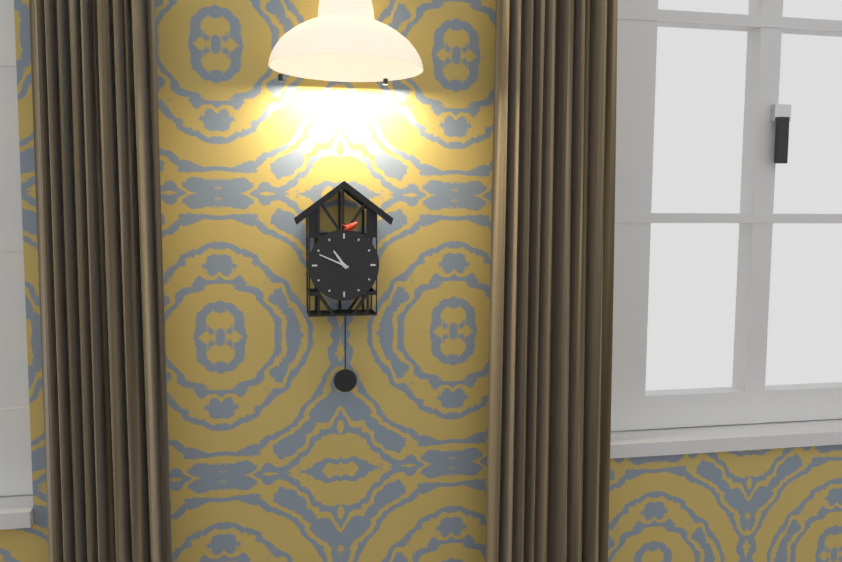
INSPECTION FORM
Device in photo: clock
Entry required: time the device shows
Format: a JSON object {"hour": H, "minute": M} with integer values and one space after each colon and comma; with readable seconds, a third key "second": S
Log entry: {"hour": 10, "minute": 49}
